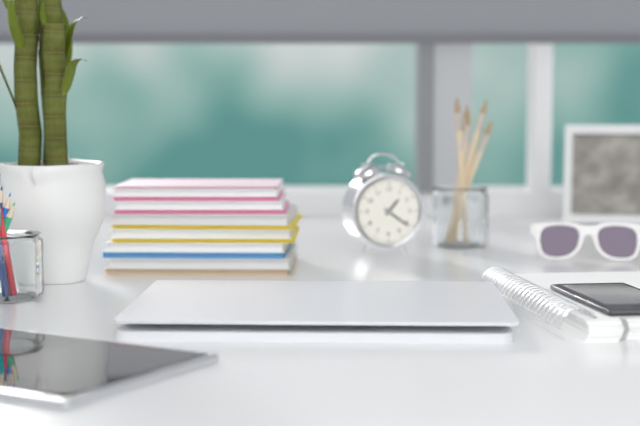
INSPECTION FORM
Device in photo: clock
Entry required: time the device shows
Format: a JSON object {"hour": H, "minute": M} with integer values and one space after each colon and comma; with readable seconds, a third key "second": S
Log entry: {"hour": 1, "minute": 21}
